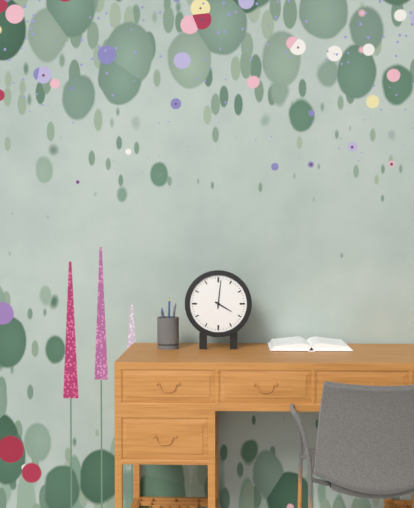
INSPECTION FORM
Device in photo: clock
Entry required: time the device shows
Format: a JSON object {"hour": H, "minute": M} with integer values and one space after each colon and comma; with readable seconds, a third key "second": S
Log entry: {"hour": 4, "minute": 1}
